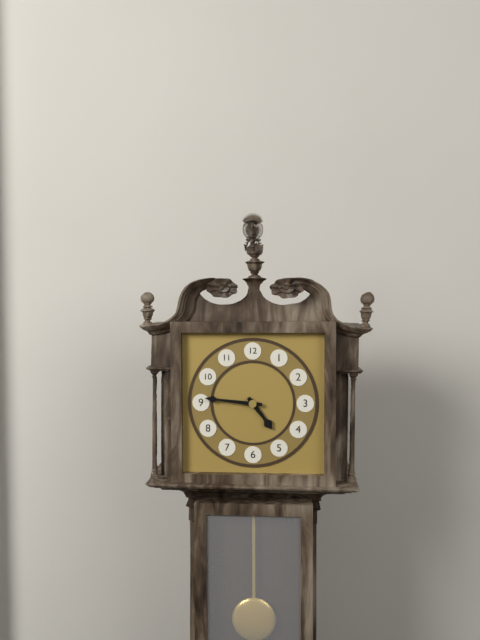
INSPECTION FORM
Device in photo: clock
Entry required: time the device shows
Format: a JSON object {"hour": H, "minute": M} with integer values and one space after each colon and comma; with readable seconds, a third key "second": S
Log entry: {"hour": 4, "minute": 46}
